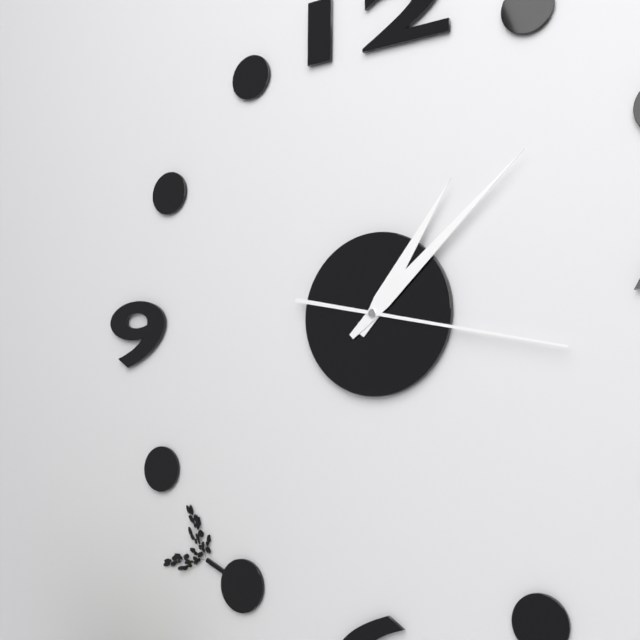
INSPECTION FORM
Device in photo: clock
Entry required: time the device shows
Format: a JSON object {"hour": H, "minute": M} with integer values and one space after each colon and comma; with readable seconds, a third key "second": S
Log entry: {"hour": 1, "minute": 8, "second": 17}
